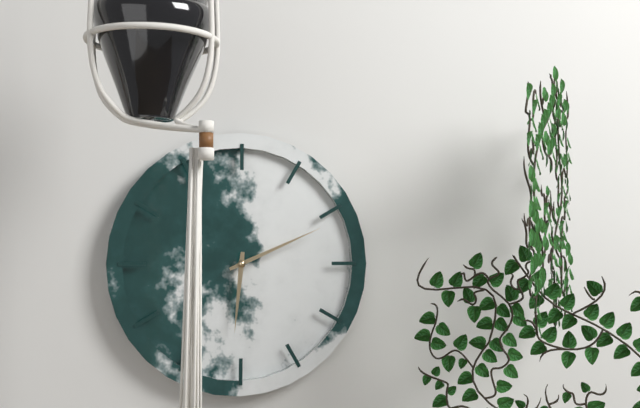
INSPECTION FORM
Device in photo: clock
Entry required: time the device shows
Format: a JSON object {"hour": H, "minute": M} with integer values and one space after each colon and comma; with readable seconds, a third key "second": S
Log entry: {"hour": 6, "minute": 11}
